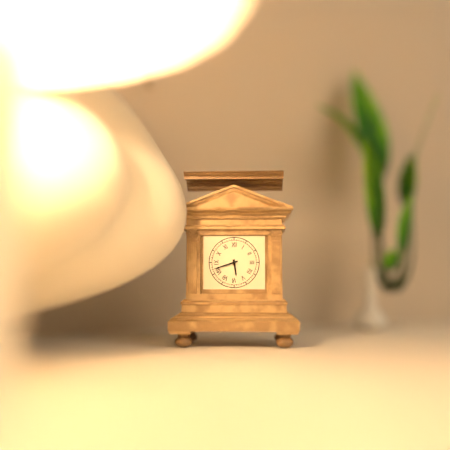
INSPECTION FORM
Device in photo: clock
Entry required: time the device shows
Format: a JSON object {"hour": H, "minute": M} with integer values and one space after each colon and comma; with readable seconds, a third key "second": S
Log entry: {"hour": 5, "minute": 42}
